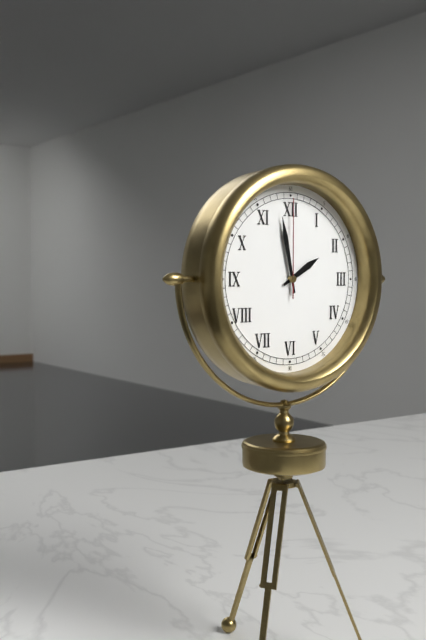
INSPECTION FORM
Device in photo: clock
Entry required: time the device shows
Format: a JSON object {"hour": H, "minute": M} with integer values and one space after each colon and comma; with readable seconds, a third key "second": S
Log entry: {"hour": 1, "minute": 58, "second": 0}
